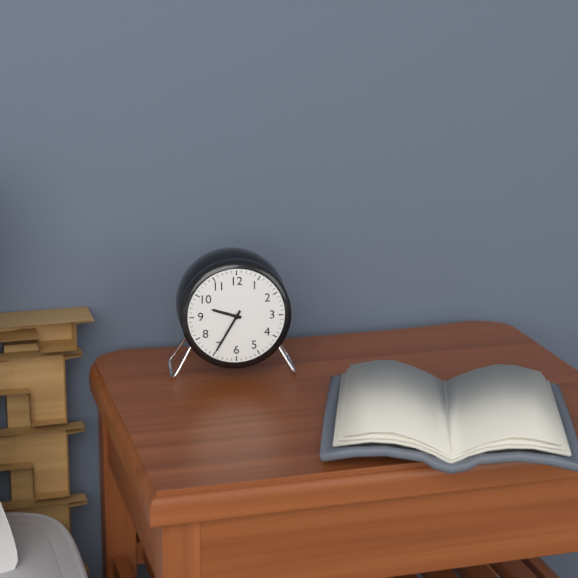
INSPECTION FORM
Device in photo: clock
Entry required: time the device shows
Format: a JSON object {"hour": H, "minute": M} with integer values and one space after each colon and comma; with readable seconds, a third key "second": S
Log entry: {"hour": 9, "minute": 35}
